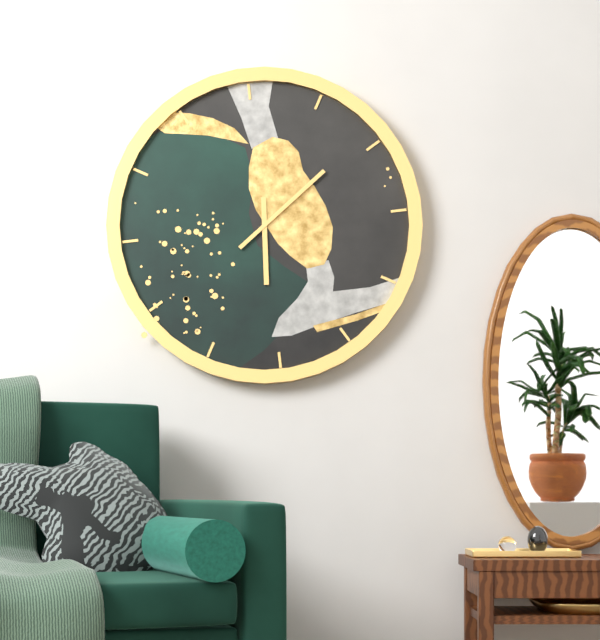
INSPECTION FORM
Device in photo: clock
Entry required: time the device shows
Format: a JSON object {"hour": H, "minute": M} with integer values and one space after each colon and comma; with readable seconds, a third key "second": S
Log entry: {"hour": 6, "minute": 9}
